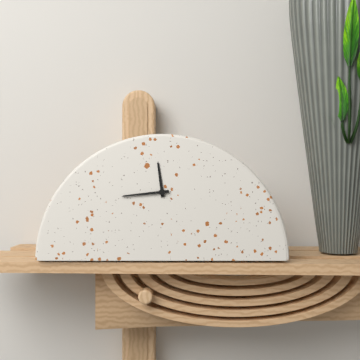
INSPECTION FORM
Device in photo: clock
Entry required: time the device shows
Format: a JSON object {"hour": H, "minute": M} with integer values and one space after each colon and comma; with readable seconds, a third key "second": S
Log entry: {"hour": 11, "minute": 44}
